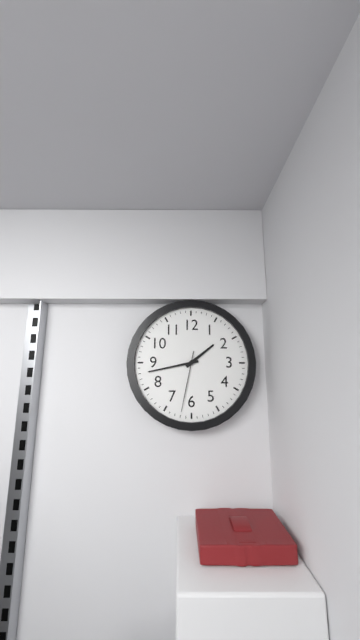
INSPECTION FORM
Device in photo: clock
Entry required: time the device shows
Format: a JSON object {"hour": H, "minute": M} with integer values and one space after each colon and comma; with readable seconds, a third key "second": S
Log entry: {"hour": 1, "minute": 43, "second": 32}
